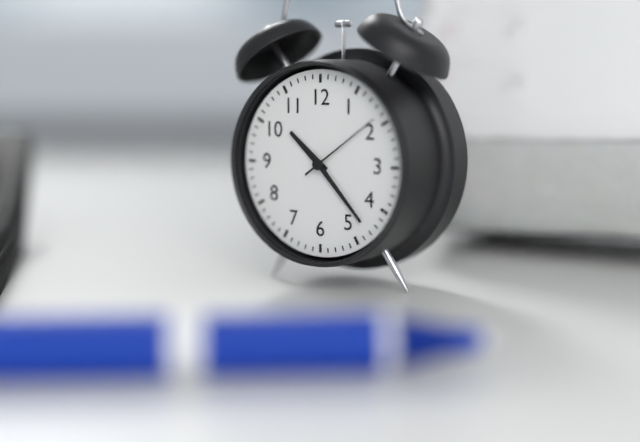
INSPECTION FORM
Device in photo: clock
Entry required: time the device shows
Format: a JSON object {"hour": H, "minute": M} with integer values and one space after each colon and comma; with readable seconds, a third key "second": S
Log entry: {"hour": 10, "minute": 23, "second": 9}
